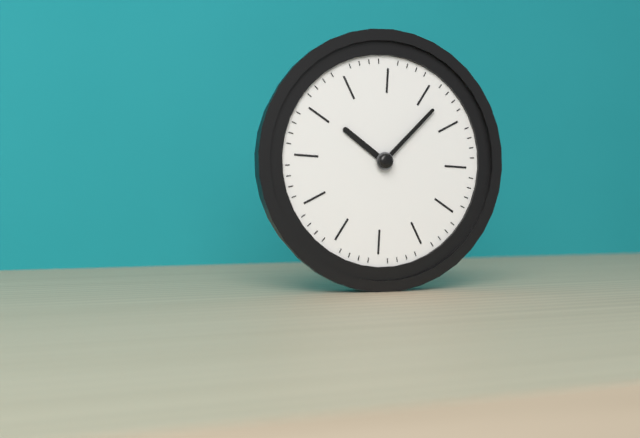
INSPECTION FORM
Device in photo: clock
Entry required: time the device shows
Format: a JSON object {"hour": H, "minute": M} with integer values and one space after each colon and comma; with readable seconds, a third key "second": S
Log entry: {"hour": 10, "minute": 7}
